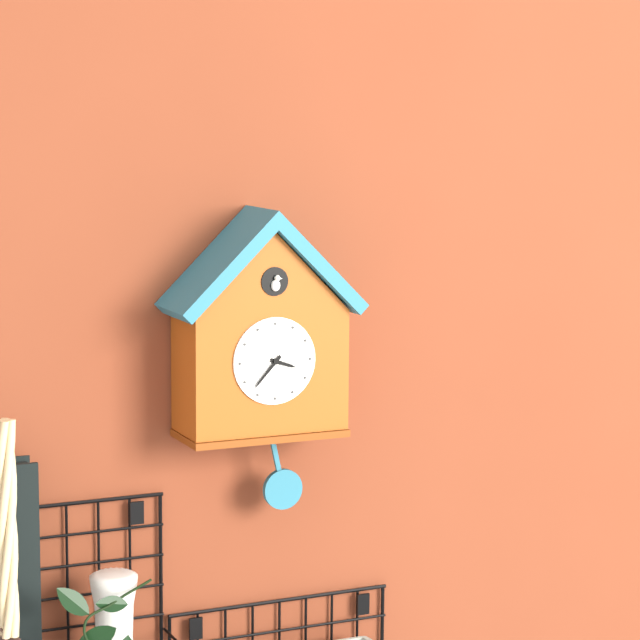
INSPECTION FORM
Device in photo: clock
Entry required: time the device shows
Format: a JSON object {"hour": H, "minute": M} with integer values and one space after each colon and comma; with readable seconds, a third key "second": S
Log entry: {"hour": 3, "minute": 37}
